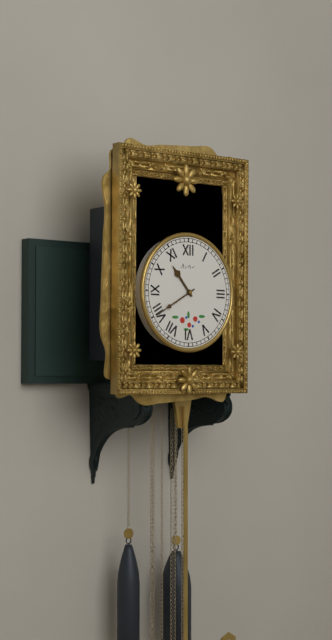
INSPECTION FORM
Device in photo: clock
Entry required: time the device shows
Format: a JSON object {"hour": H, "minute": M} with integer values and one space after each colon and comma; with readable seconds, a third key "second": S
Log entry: {"hour": 10, "minute": 40}
